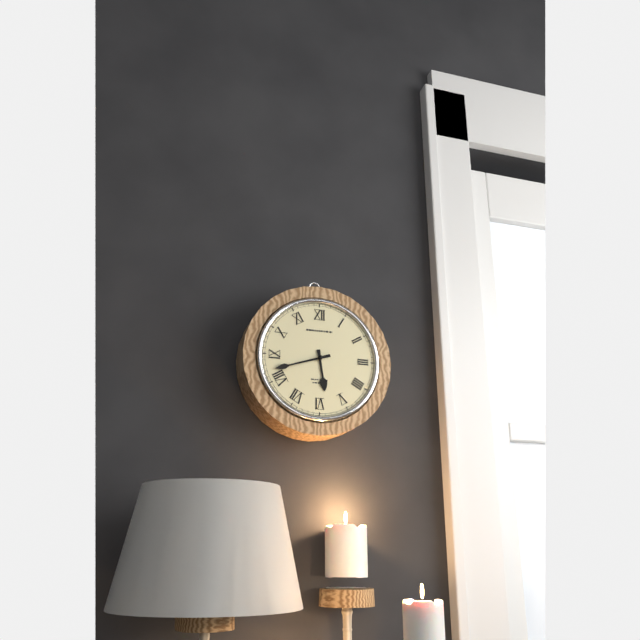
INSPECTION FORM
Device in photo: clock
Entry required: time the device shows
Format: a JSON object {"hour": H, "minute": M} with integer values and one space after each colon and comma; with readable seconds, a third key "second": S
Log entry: {"hour": 5, "minute": 42}
